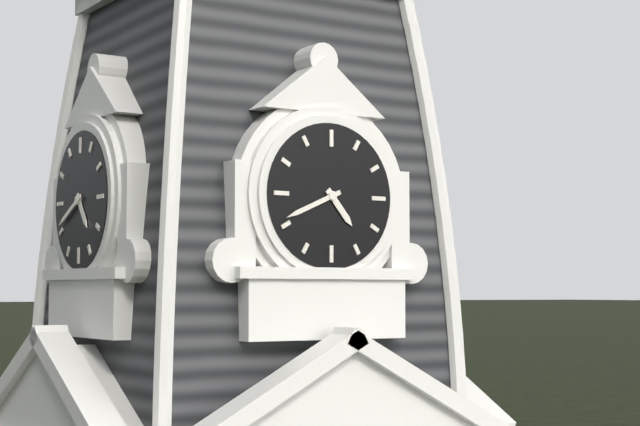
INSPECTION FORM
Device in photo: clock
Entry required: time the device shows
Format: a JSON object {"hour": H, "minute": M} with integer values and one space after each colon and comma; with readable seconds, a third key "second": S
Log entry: {"hour": 4, "minute": 41}
